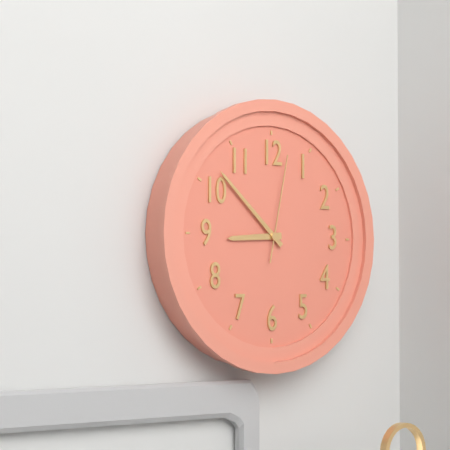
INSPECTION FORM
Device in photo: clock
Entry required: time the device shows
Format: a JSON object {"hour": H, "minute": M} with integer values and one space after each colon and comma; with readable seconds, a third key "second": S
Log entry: {"hour": 8, "minute": 52, "second": 2}
